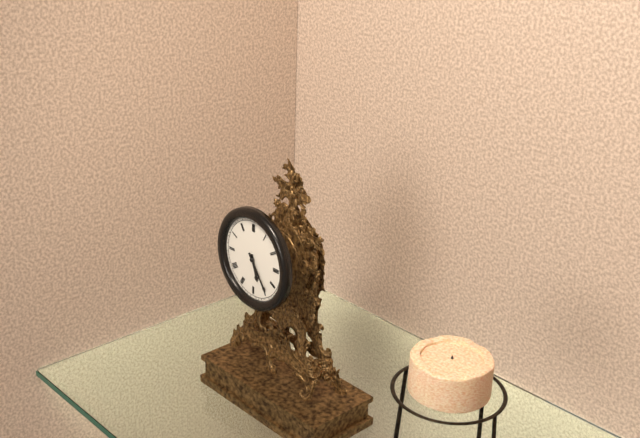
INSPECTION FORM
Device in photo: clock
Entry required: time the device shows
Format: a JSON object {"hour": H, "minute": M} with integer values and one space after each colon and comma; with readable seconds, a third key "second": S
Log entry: {"hour": 5, "minute": 24}
